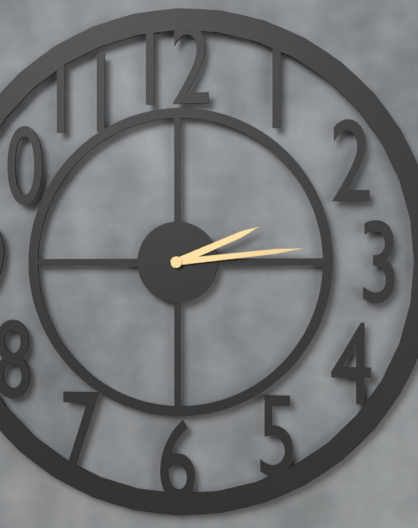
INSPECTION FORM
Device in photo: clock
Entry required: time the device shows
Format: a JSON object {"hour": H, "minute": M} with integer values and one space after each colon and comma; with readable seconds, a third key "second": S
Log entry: {"hour": 2, "minute": 14}
